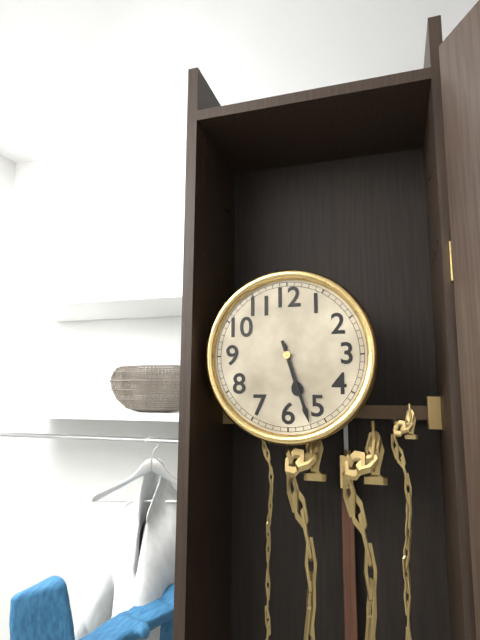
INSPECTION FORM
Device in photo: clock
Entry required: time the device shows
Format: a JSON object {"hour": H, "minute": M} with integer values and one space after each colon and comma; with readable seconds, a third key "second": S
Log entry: {"hour": 5, "minute": 27}
